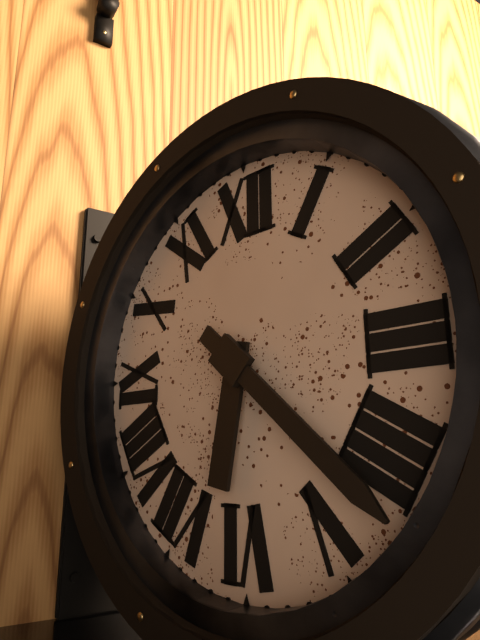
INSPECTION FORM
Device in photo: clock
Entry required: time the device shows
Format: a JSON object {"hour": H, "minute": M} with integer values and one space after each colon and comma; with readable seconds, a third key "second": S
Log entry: {"hour": 6, "minute": 22}
